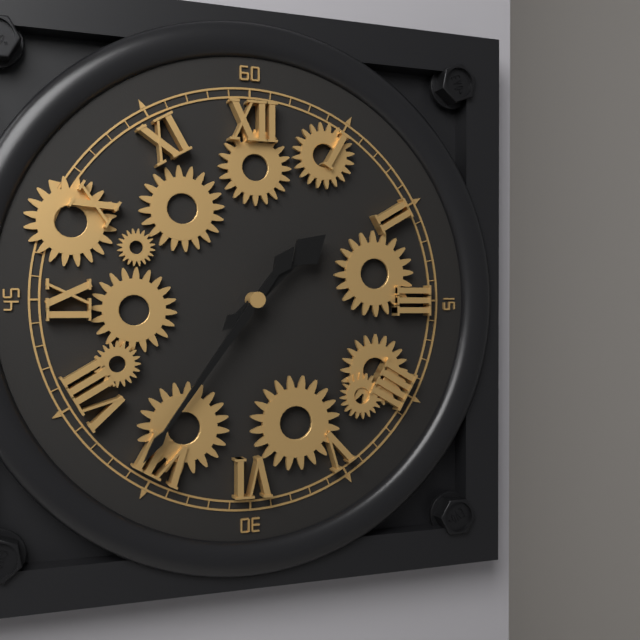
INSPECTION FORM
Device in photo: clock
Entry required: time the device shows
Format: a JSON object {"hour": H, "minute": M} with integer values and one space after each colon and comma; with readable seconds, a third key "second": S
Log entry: {"hour": 1, "minute": 36}
